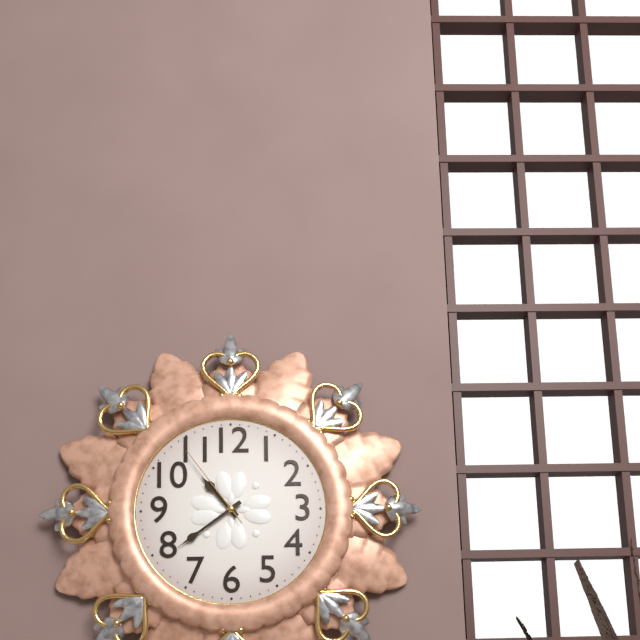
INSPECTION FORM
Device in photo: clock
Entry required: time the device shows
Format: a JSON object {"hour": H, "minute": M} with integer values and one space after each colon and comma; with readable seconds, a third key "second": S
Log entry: {"hour": 10, "minute": 39, "second": 54}
